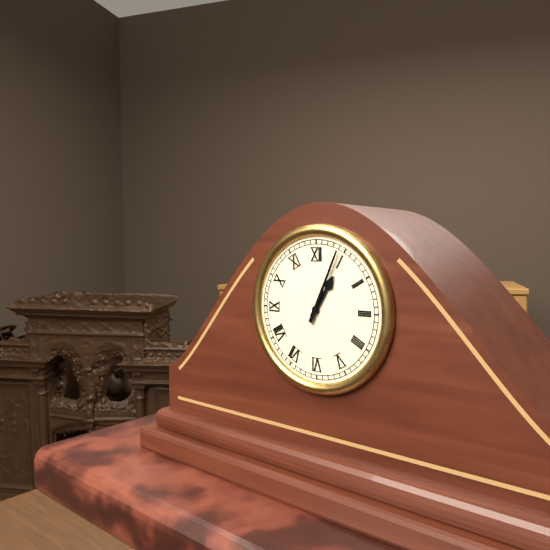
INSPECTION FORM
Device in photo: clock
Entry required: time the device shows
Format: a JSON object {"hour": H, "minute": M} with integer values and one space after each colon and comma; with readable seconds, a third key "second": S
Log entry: {"hour": 1, "minute": 4}
